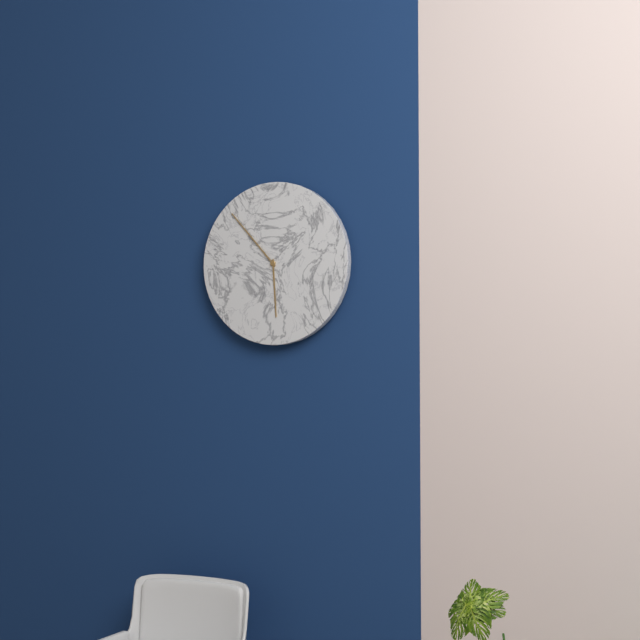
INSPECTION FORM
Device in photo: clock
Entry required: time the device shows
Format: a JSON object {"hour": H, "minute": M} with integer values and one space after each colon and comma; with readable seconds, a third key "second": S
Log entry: {"hour": 5, "minute": 53}
